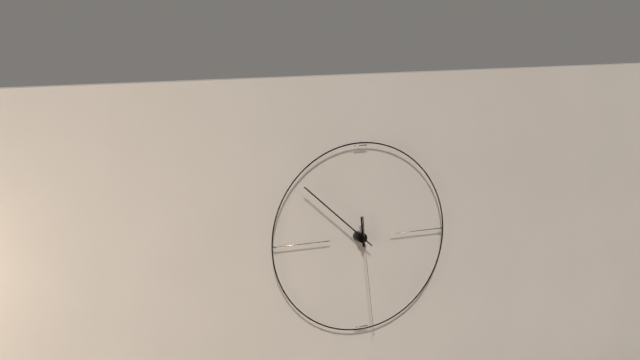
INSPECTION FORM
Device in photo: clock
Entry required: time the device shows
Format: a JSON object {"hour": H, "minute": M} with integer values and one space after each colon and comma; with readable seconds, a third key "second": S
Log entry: {"hour": 11, "minute": 52, "second": 29}
